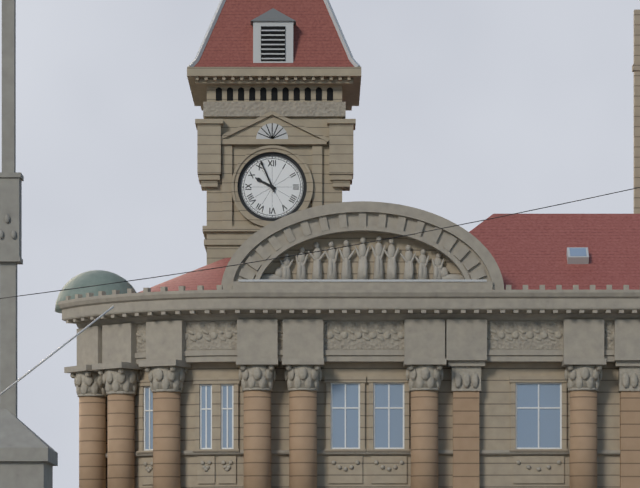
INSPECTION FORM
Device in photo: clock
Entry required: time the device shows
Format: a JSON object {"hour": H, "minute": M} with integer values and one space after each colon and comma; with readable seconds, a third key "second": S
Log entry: {"hour": 9, "minute": 56}
